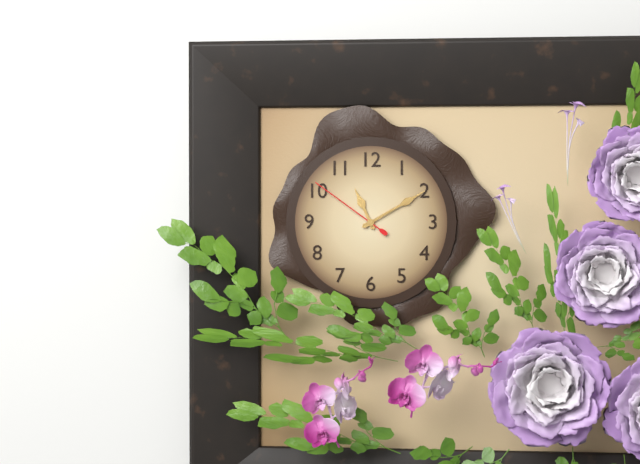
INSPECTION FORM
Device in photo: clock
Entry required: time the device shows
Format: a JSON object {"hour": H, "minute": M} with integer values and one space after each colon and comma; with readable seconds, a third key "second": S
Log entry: {"hour": 11, "minute": 10, "second": 51}
